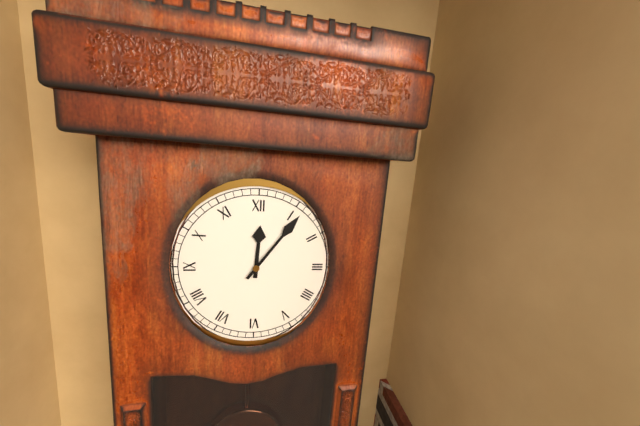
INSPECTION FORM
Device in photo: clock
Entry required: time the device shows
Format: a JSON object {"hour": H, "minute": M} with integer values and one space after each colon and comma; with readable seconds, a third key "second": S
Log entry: {"hour": 12, "minute": 6}
